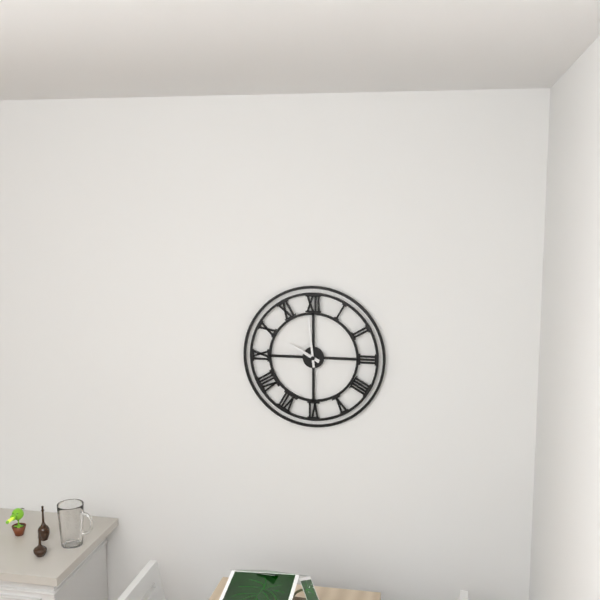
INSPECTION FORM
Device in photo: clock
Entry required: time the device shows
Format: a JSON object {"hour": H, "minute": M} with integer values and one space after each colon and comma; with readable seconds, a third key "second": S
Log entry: {"hour": 9, "minute": 59}
